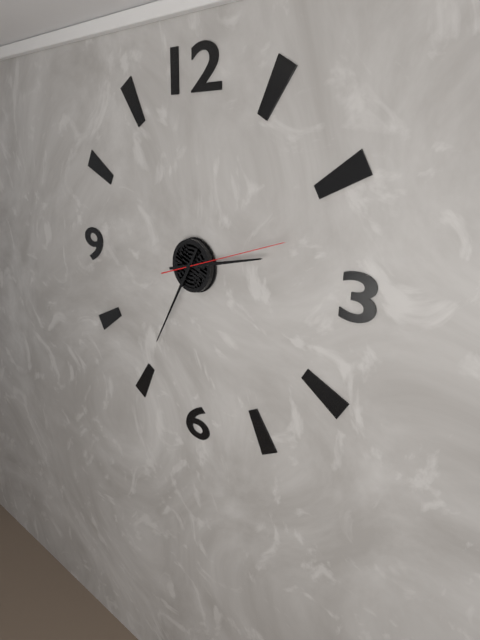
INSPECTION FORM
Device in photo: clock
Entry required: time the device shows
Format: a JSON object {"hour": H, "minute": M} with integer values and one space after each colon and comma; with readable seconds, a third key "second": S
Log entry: {"hour": 2, "minute": 35, "second": 12}
